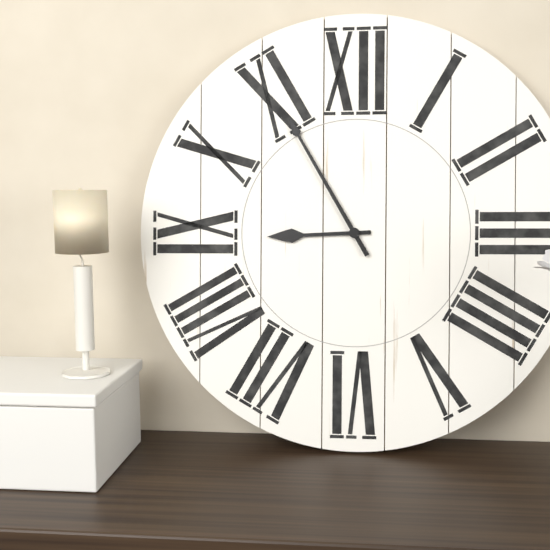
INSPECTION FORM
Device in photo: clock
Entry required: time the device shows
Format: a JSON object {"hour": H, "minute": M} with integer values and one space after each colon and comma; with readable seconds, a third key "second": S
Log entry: {"hour": 8, "minute": 55}
